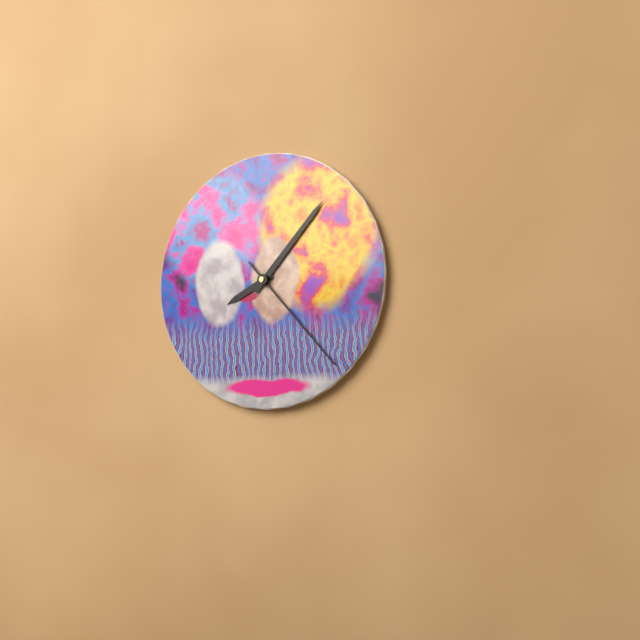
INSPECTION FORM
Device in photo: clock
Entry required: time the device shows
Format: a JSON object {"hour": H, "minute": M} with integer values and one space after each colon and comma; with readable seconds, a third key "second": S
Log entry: {"hour": 8, "minute": 7, "second": 23}
